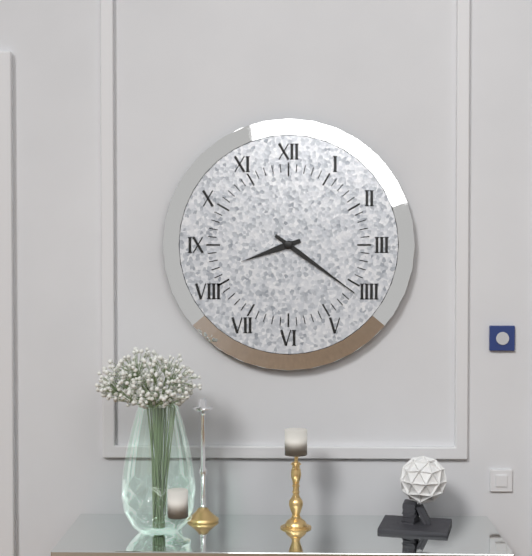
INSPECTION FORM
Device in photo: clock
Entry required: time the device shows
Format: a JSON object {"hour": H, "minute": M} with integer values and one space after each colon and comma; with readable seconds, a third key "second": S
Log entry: {"hour": 8, "minute": 21}
